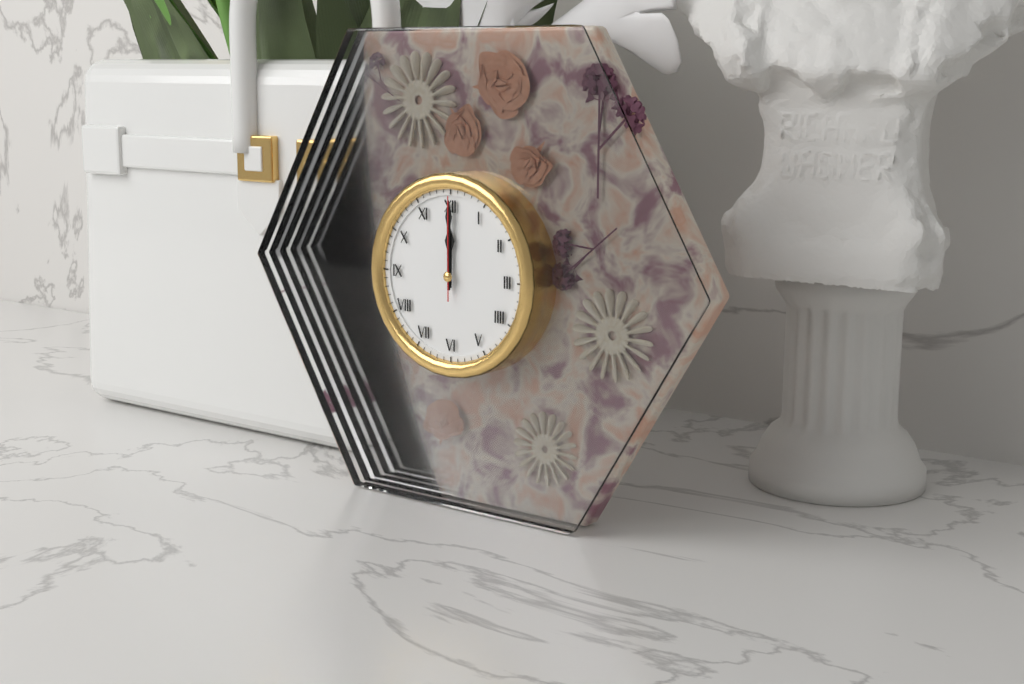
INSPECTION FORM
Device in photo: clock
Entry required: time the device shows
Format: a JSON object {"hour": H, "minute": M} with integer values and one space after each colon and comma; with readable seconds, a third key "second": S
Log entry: {"hour": 12, "minute": 0, "second": 0}
